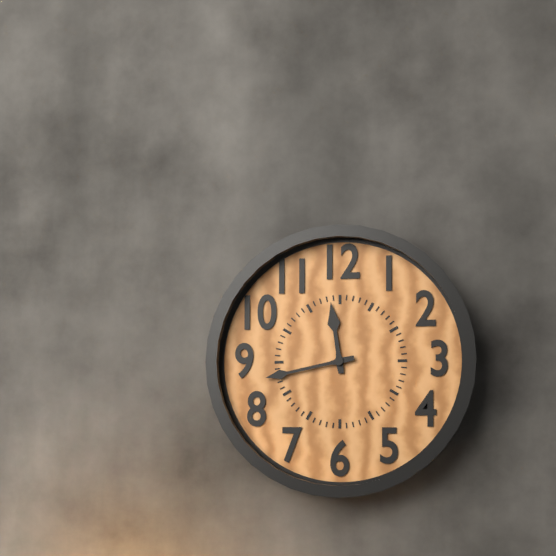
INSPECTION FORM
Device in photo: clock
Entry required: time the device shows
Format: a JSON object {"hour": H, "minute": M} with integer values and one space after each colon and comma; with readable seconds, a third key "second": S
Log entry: {"hour": 11, "minute": 43}
